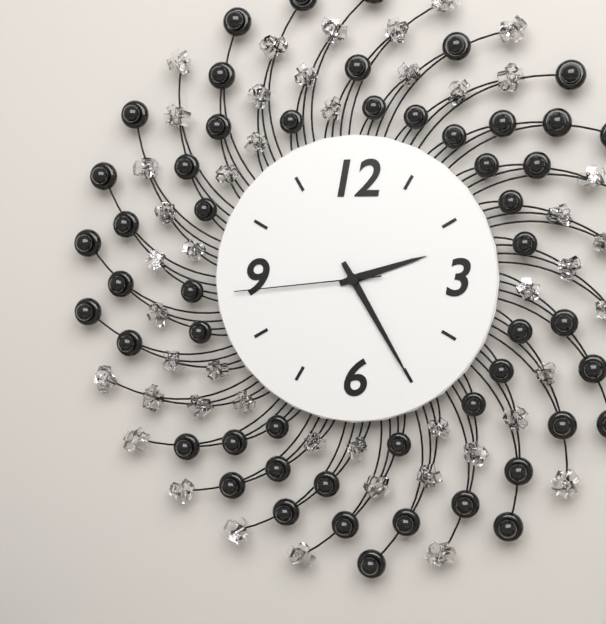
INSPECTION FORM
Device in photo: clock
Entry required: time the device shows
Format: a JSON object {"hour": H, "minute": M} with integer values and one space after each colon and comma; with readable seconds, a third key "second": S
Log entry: {"hour": 2, "minute": 25, "second": 44}
